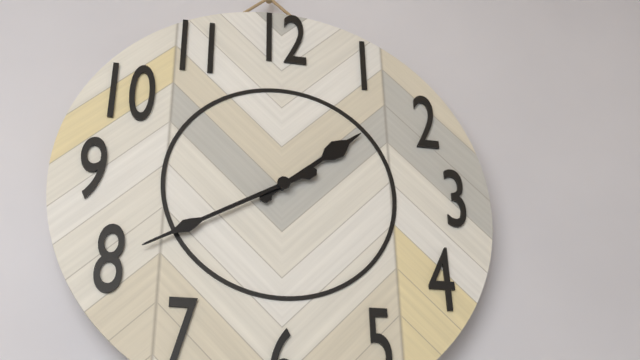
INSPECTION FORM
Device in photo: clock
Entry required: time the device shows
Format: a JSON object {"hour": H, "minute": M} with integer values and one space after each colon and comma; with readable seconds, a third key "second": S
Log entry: {"hour": 1, "minute": 40}
